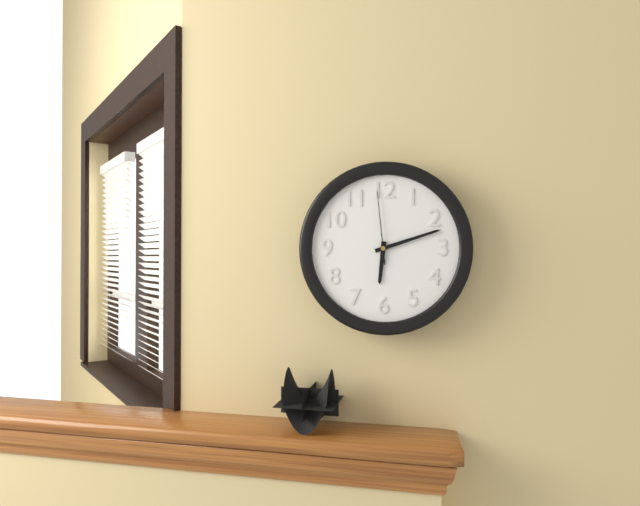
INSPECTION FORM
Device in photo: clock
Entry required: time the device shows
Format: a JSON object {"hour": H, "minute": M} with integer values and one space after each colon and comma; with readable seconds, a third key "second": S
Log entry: {"hour": 6, "minute": 12, "second": 59}
